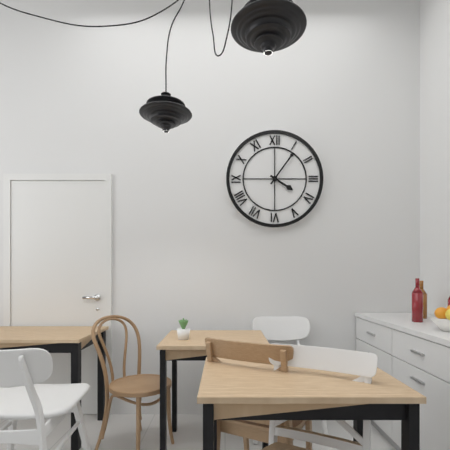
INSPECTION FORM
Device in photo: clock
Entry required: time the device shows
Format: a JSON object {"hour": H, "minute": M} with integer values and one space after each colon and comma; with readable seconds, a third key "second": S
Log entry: {"hour": 4, "minute": 6}
